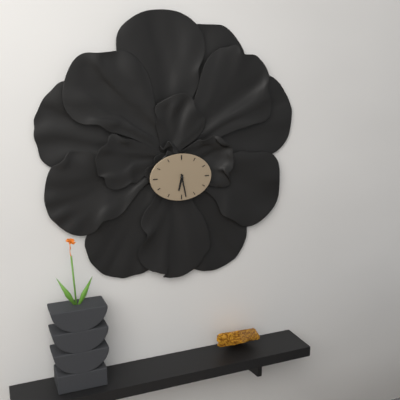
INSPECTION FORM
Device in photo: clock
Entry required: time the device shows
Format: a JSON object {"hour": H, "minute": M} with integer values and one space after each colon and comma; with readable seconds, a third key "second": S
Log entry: {"hour": 6, "minute": 28}
